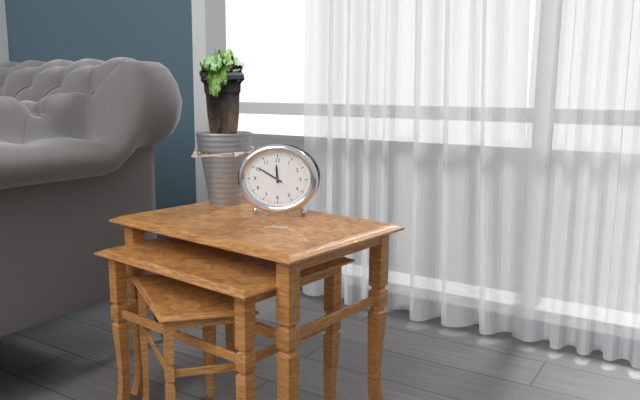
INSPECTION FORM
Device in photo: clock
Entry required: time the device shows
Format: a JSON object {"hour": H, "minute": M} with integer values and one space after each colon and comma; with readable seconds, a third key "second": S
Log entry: {"hour": 11, "minute": 50}
